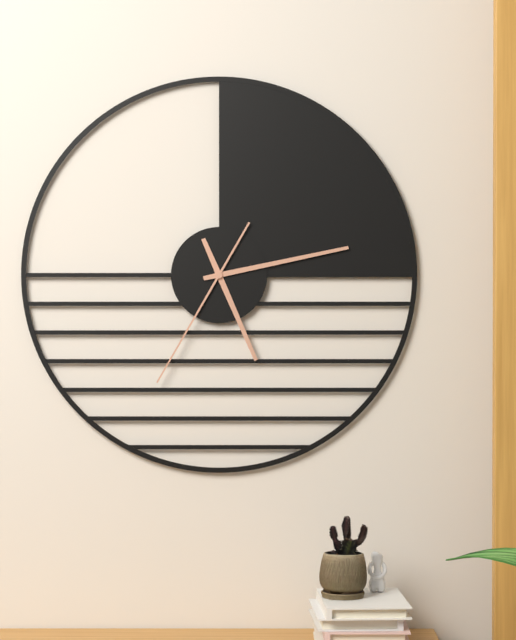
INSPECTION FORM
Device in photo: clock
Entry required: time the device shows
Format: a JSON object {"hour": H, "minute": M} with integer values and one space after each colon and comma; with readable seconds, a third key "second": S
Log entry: {"hour": 5, "minute": 13, "second": 35}
